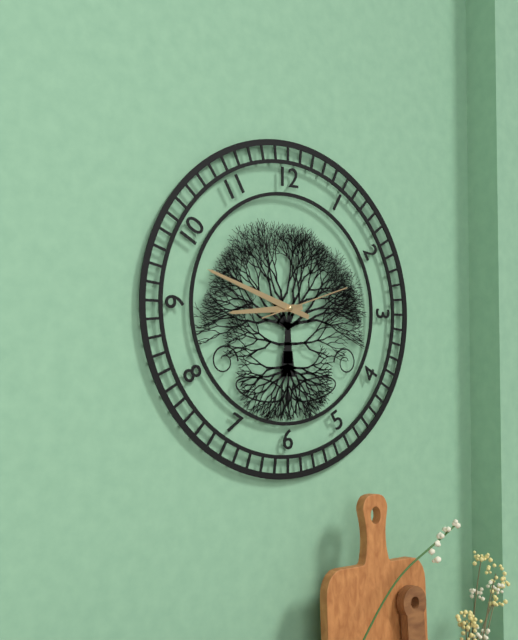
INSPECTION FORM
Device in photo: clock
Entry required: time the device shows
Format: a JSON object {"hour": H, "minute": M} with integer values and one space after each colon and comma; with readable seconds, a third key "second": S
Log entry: {"hour": 8, "minute": 48, "second": 12}
